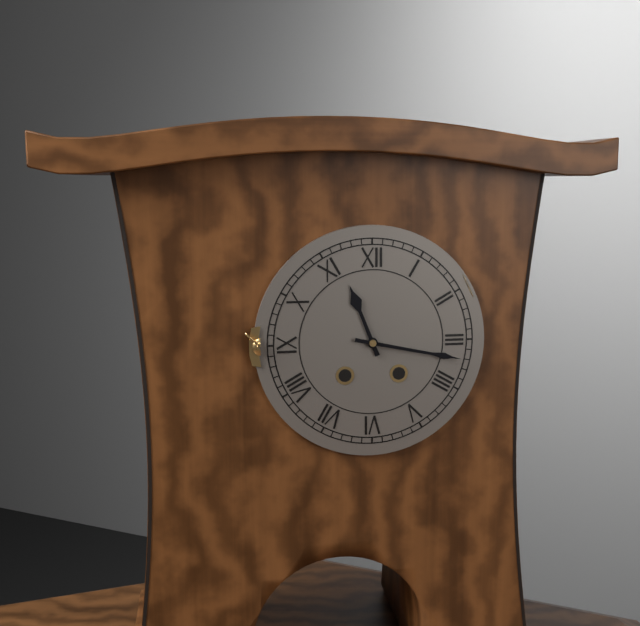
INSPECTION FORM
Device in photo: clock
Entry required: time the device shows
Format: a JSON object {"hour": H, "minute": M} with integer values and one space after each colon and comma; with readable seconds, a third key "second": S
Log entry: {"hour": 11, "minute": 17}
